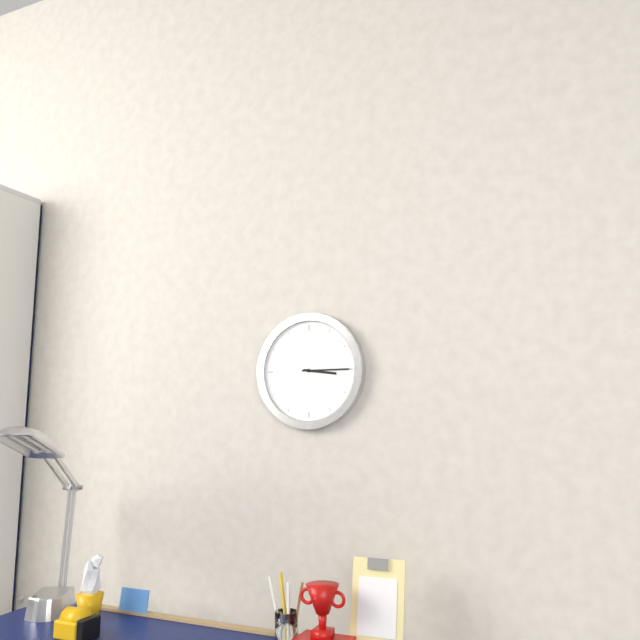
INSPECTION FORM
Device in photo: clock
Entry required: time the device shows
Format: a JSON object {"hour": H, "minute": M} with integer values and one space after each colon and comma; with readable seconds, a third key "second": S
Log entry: {"hour": 3, "minute": 15}
